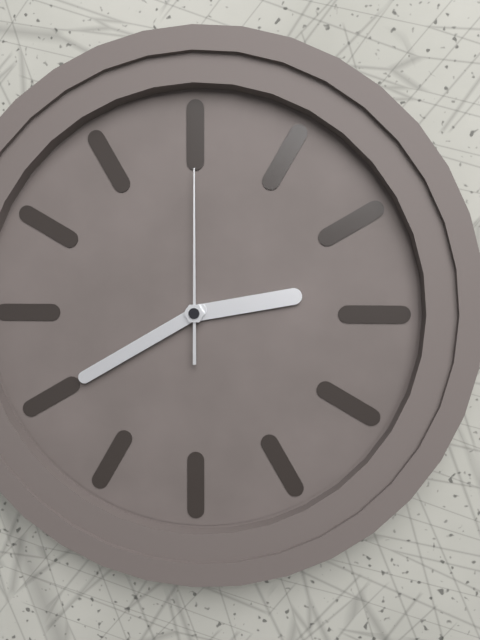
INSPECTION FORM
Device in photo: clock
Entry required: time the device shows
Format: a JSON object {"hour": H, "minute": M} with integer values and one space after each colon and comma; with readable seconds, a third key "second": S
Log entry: {"hour": 2, "minute": 40, "second": 0}
